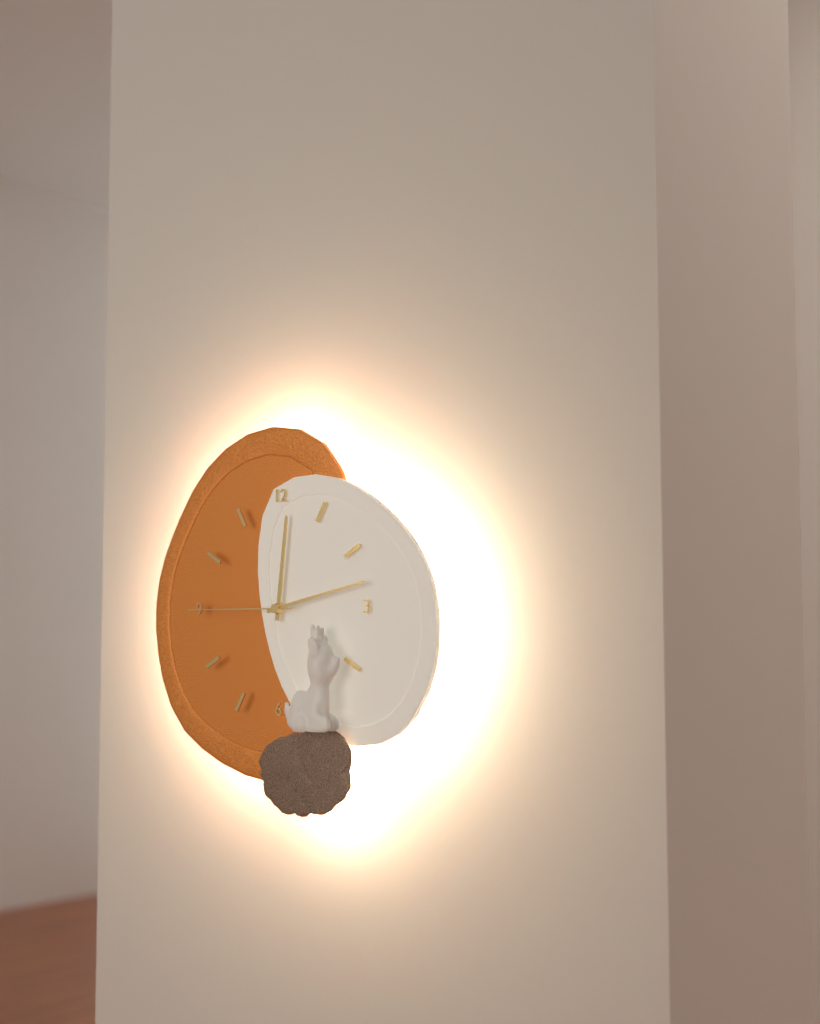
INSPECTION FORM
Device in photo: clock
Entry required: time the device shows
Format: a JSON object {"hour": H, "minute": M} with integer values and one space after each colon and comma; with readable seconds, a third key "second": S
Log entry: {"hour": 12, "minute": 13, "second": 45}
